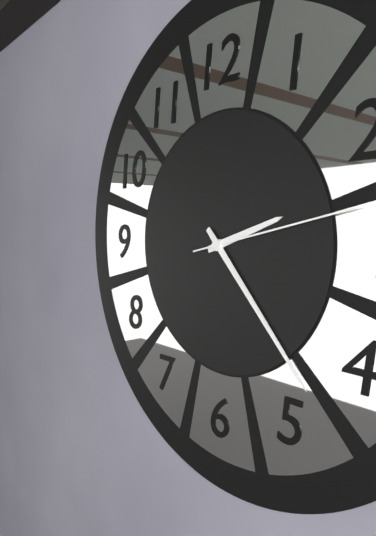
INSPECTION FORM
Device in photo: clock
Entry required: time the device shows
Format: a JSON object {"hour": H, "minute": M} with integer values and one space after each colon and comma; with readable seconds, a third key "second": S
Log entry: {"hour": 2, "minute": 23, "second": 13}
